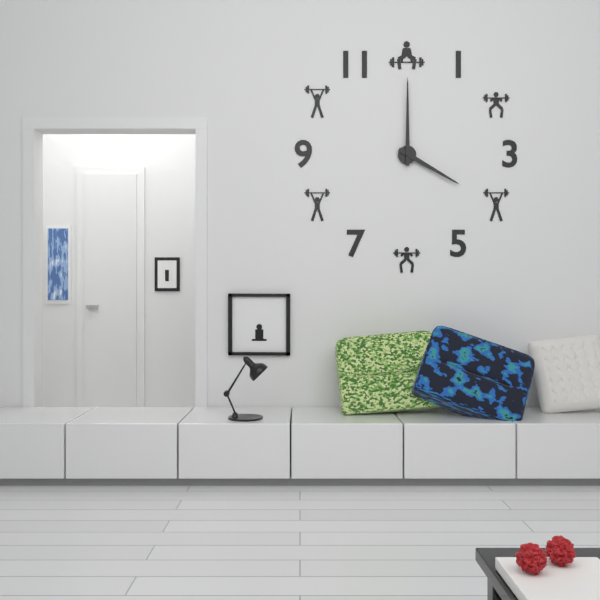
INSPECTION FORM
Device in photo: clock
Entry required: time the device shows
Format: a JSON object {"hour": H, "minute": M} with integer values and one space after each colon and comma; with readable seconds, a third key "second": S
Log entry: {"hour": 4, "minute": 0}
